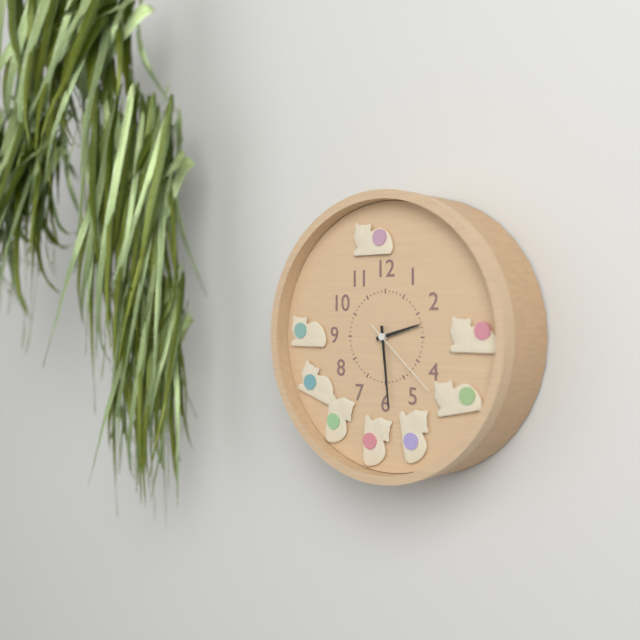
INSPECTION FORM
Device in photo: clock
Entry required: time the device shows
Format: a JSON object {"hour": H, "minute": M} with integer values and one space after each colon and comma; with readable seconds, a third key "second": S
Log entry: {"hour": 2, "minute": 29, "second": 22}
